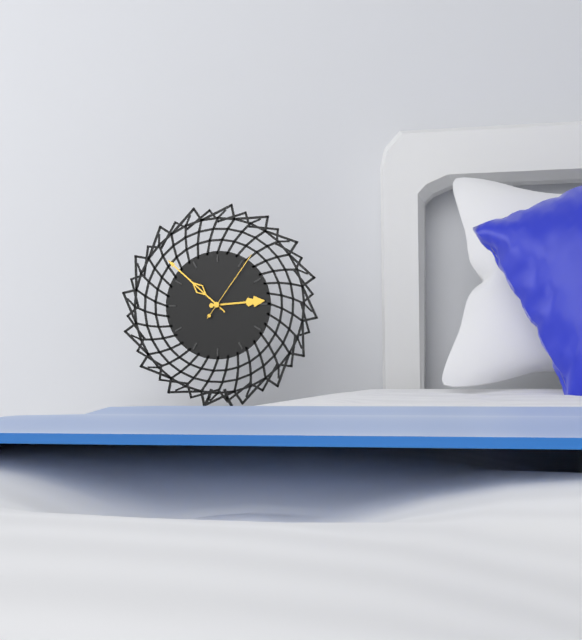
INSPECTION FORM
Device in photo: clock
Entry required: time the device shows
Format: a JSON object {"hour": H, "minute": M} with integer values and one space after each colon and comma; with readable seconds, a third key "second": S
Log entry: {"hour": 2, "minute": 52, "second": 6}
